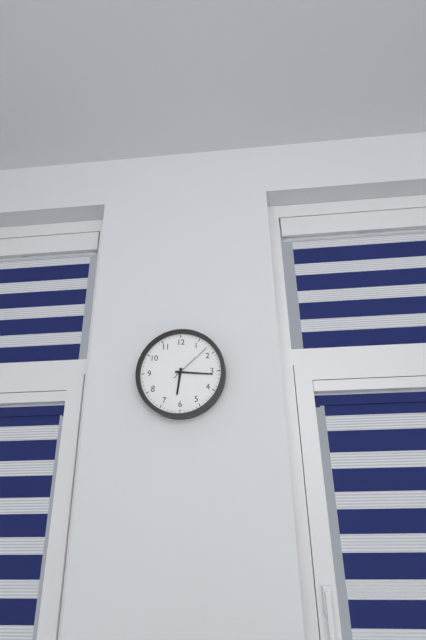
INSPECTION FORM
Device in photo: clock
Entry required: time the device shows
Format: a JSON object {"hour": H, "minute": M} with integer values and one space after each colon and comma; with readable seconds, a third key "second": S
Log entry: {"hour": 6, "minute": 16}
